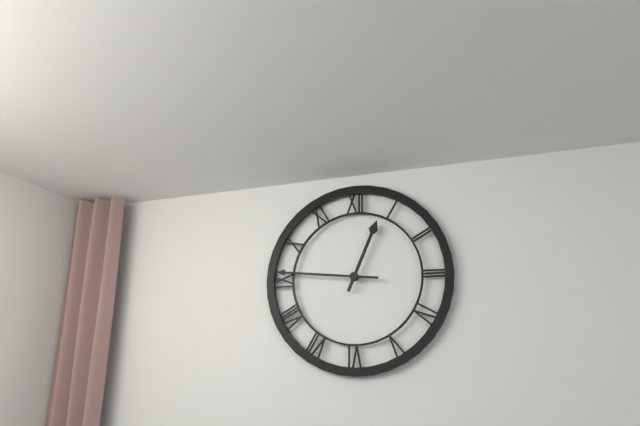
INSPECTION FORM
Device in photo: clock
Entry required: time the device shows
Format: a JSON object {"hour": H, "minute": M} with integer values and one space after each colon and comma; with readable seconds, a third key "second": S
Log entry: {"hour": 12, "minute": 46}
